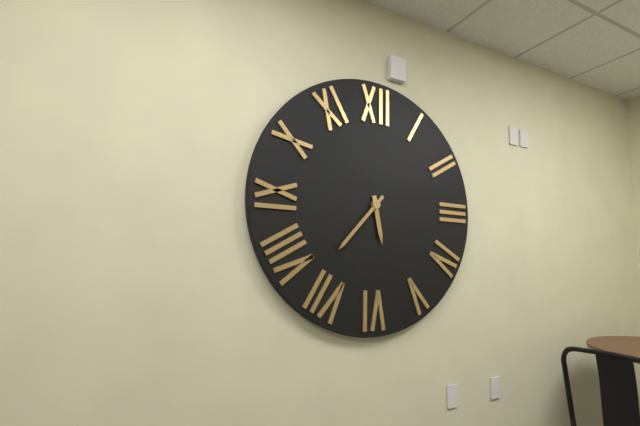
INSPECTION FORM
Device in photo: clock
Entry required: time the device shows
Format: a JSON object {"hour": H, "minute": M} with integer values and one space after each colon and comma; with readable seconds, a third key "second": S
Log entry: {"hour": 5, "minute": 37}
